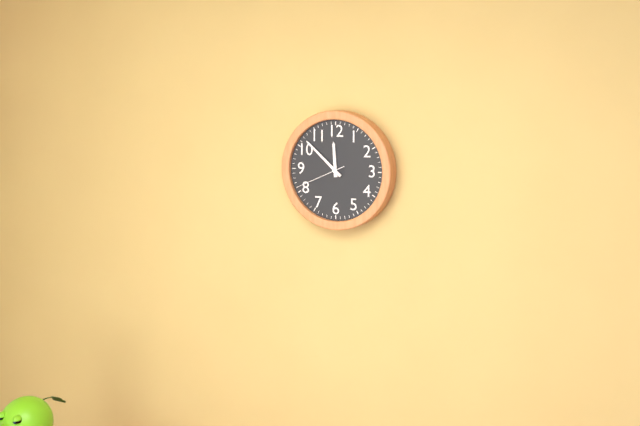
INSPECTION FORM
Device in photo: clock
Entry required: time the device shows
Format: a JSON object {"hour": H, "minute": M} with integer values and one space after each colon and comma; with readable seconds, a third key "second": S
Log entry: {"hour": 11, "minute": 52, "second": 41}
